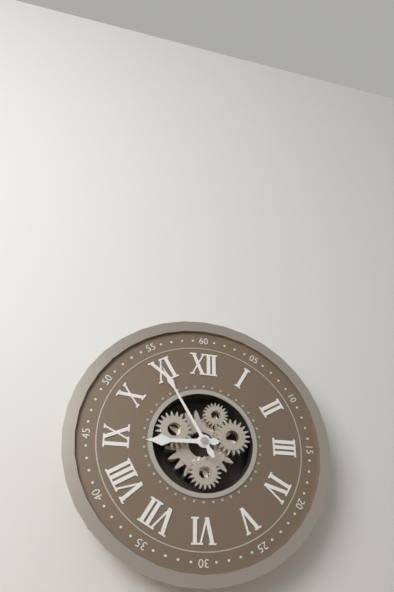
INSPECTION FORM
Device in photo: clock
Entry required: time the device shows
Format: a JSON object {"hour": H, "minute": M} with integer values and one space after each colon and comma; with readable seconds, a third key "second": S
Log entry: {"hour": 8, "minute": 55}
